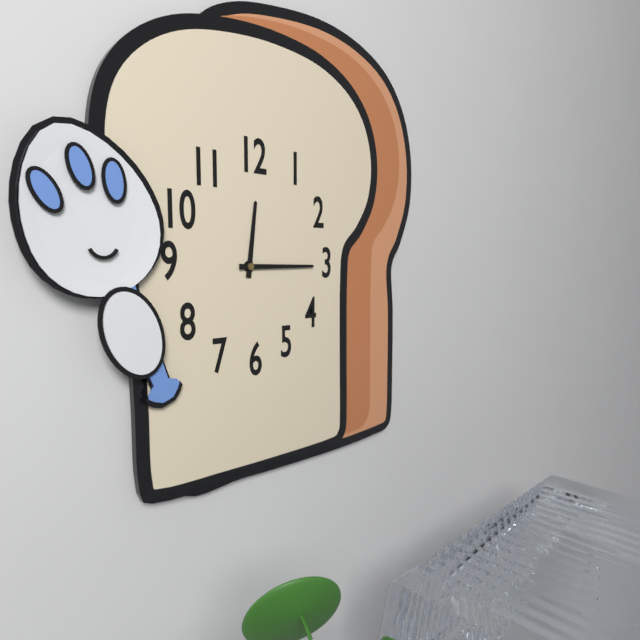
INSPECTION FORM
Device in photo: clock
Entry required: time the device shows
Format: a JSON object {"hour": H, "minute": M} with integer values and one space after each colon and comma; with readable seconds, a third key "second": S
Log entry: {"hour": 12, "minute": 15}
